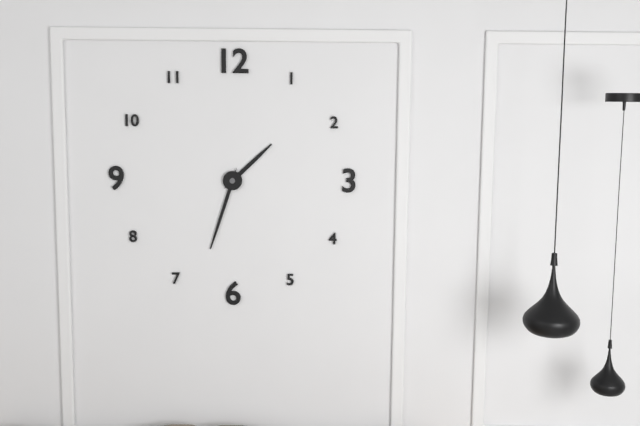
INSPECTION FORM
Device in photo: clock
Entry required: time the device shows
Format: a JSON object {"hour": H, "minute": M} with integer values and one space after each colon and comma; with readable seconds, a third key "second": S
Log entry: {"hour": 1, "minute": 33}
